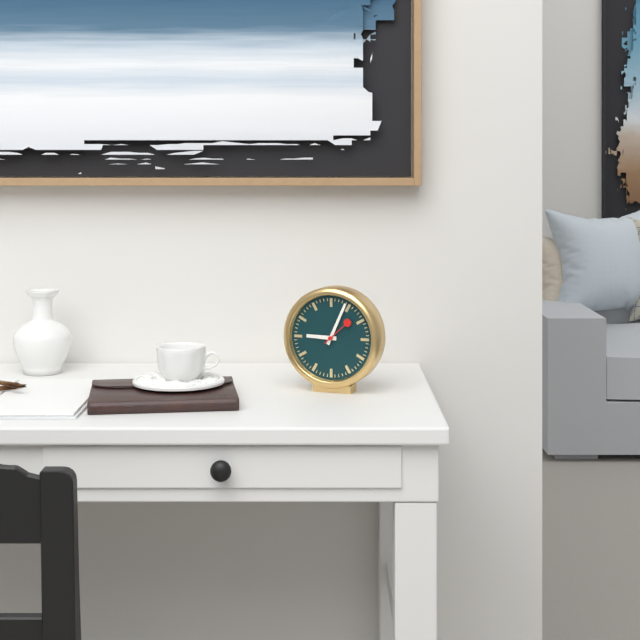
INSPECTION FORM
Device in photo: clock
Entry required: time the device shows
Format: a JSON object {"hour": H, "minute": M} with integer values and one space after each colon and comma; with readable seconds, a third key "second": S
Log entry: {"hour": 9, "minute": 4}
